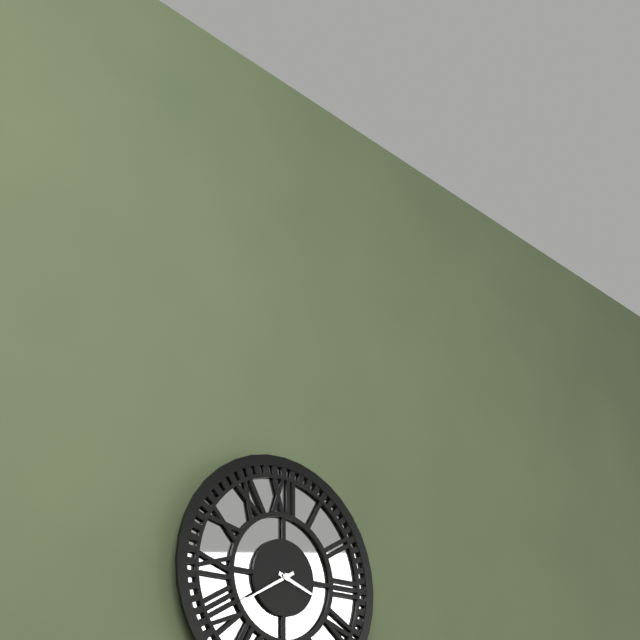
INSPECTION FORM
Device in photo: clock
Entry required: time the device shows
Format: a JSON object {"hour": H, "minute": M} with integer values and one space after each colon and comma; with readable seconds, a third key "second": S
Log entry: {"hour": 3, "minute": 40}
